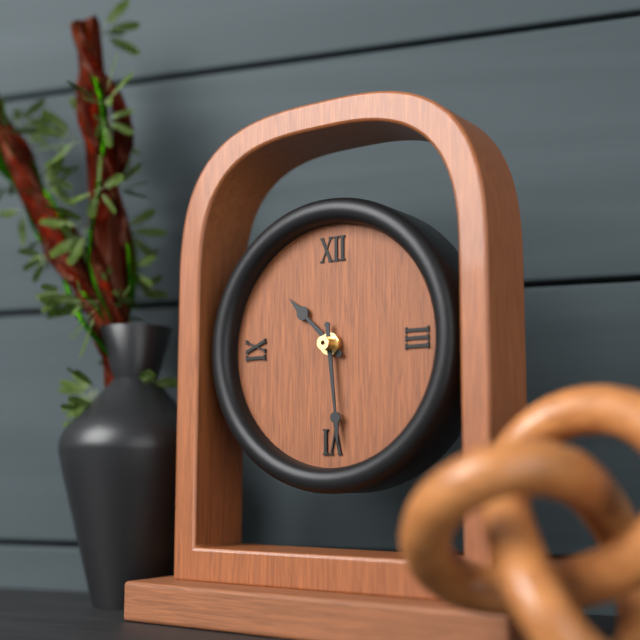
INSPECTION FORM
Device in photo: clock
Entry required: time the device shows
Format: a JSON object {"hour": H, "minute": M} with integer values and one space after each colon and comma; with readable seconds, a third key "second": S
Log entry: {"hour": 10, "minute": 29}
